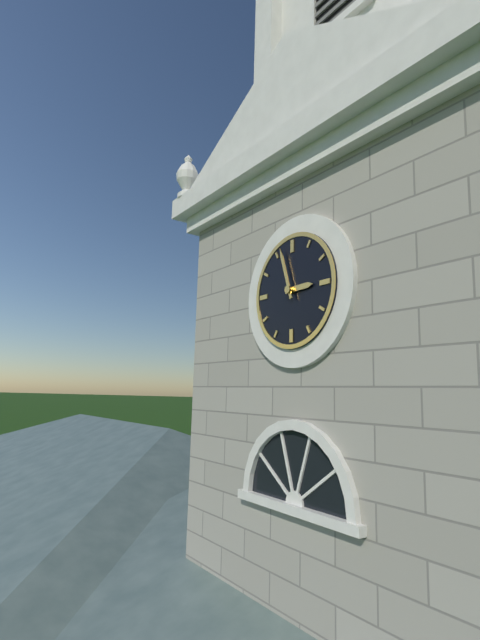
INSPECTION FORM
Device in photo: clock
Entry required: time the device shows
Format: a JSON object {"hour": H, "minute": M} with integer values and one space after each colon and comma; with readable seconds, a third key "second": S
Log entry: {"hour": 2, "minute": 57}
